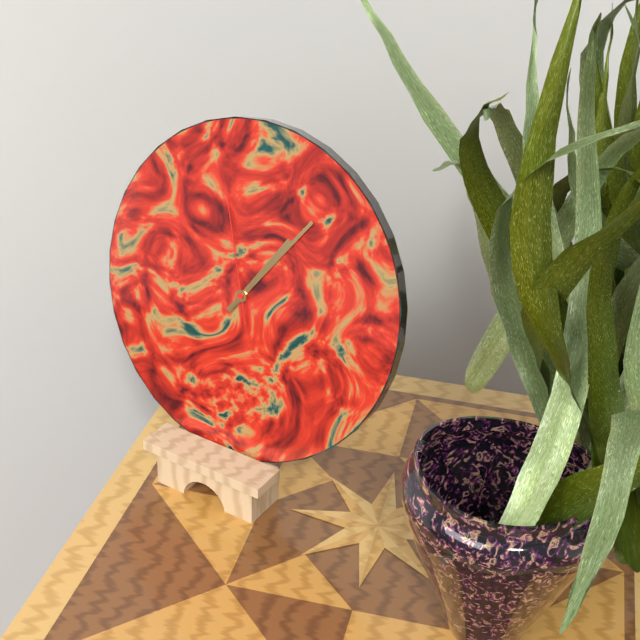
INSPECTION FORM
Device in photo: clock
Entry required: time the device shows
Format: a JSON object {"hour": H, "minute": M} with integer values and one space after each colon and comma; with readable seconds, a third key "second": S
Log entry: {"hour": 1, "minute": 6, "second": 57}
